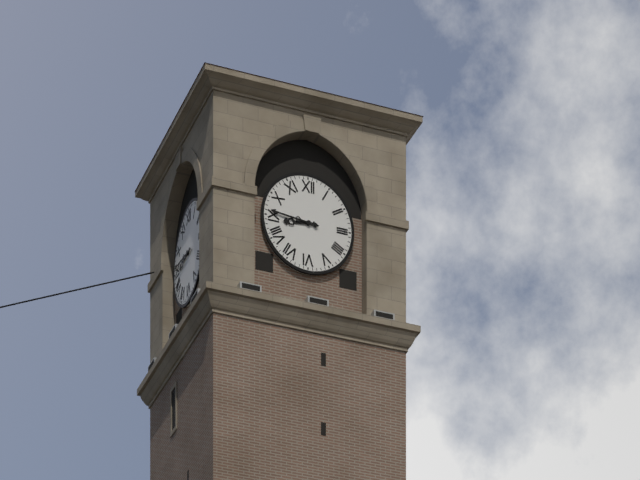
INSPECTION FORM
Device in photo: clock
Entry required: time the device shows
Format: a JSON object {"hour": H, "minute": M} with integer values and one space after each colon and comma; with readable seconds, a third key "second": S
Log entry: {"hour": 8, "minute": 46}
